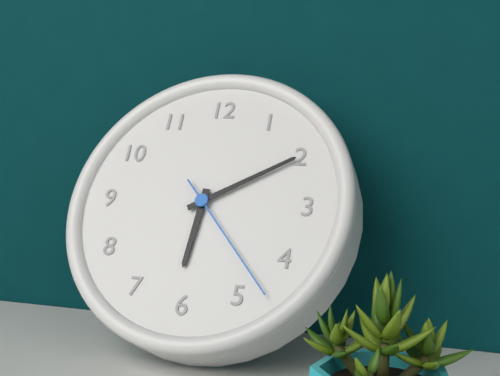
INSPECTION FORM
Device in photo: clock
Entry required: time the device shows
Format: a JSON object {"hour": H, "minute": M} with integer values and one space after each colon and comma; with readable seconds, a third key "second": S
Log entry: {"hour": 6, "minute": 10, "second": 23}
